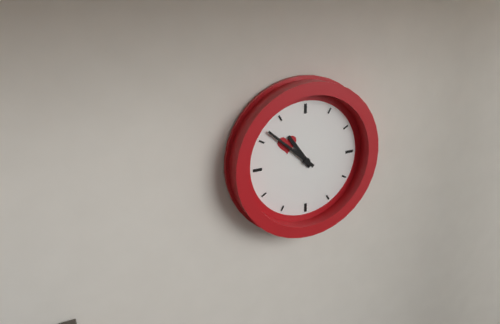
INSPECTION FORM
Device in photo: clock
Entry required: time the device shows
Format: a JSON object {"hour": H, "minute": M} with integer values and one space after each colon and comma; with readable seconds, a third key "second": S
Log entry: {"hour": 10, "minute": 52}
